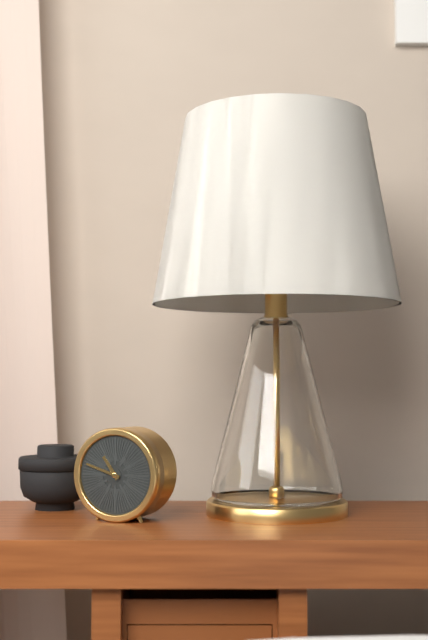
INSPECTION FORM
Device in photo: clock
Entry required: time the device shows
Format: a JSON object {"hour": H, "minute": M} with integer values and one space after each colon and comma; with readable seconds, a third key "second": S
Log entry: {"hour": 10, "minute": 48}
